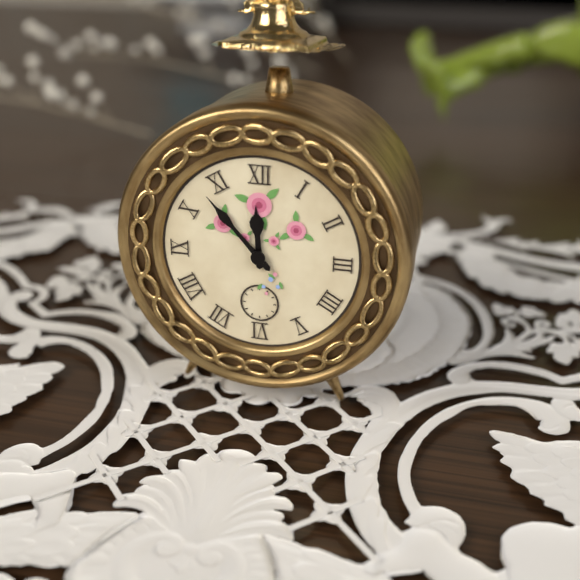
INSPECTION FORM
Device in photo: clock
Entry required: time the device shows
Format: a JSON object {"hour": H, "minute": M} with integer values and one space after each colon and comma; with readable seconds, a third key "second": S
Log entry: {"hour": 11, "minute": 53}
